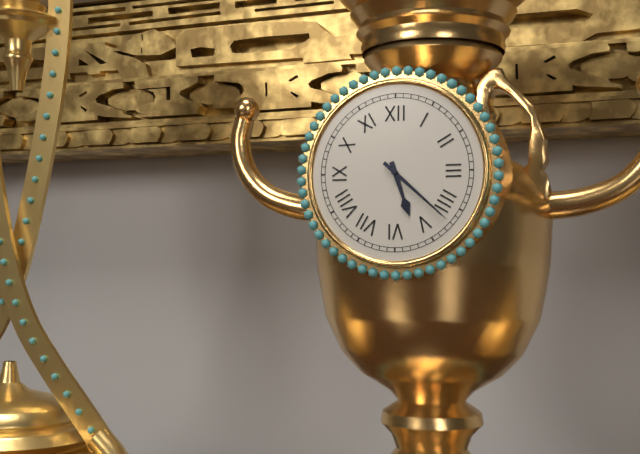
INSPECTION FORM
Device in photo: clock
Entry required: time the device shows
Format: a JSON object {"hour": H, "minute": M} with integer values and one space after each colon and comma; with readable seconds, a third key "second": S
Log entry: {"hour": 5, "minute": 22}
